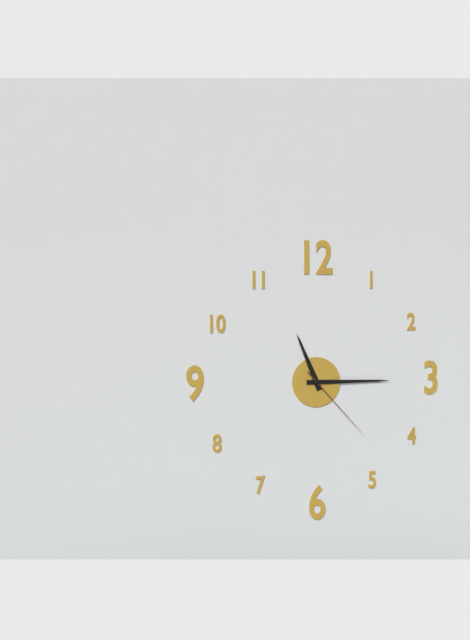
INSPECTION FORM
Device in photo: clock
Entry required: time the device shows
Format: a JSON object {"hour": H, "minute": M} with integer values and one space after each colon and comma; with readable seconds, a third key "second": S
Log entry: {"hour": 11, "minute": 15, "second": 23}
